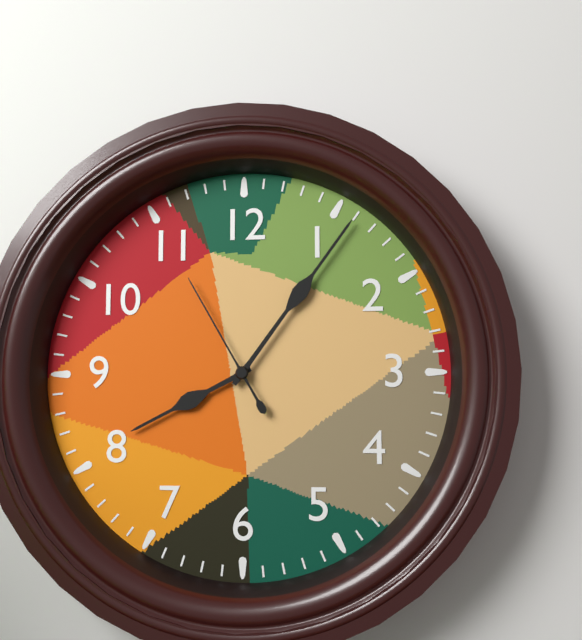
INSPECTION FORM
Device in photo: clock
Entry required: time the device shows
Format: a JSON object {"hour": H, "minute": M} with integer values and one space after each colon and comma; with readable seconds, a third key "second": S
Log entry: {"hour": 8, "minute": 6, "second": 55}
